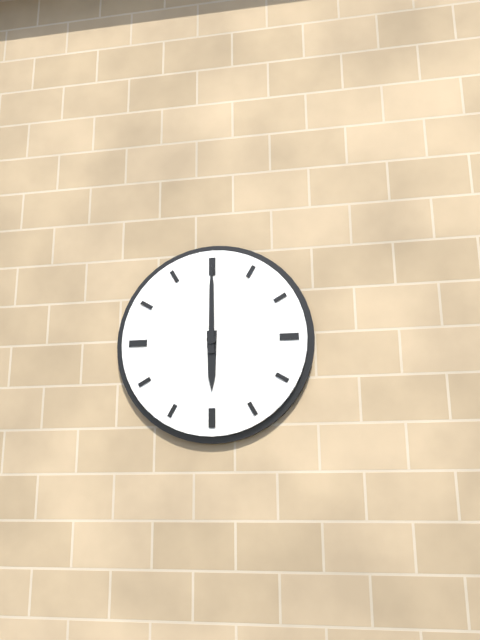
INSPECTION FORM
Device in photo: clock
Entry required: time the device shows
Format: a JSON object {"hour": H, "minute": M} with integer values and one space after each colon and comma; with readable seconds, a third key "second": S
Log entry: {"hour": 6, "minute": 0}
